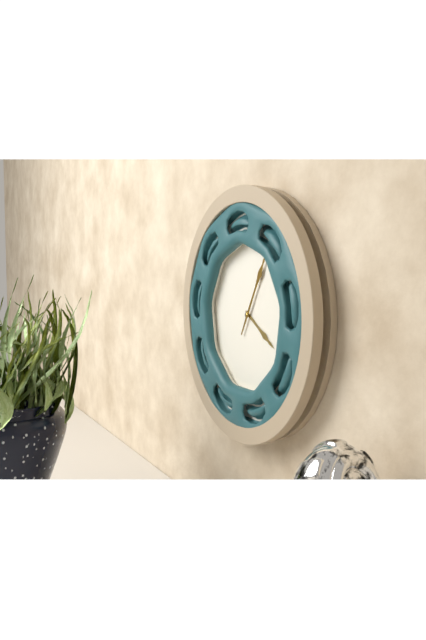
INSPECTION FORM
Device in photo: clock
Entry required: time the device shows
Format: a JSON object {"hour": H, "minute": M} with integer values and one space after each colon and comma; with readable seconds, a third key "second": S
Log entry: {"hour": 4, "minute": 5}
